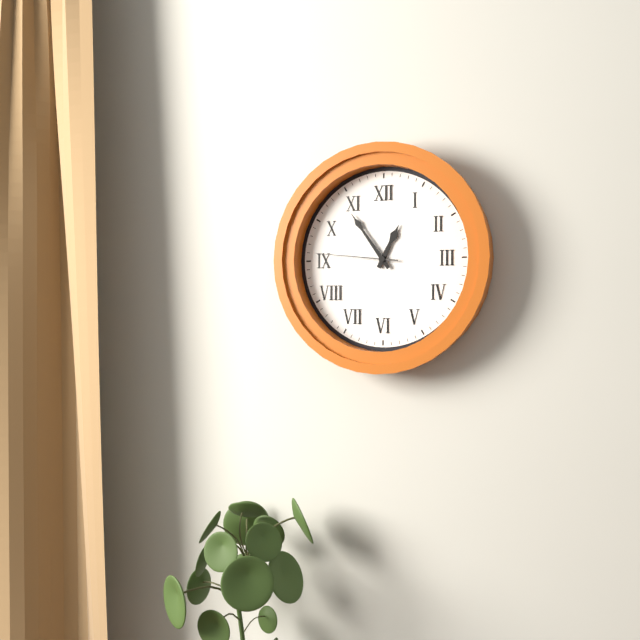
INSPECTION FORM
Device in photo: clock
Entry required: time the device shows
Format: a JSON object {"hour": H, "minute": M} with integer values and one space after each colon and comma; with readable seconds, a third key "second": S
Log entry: {"hour": 12, "minute": 54, "second": 46}
